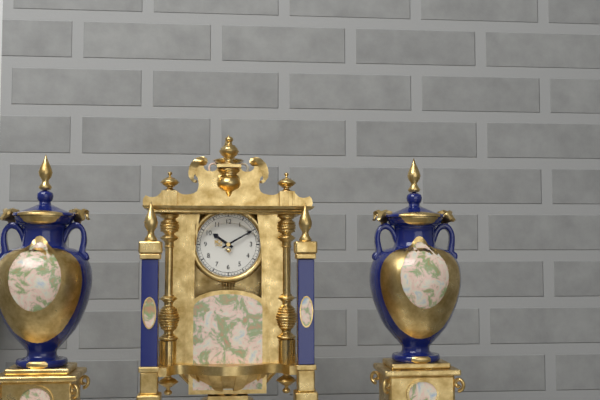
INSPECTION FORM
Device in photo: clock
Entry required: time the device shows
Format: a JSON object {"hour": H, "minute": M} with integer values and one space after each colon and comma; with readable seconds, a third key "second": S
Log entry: {"hour": 10, "minute": 10}
